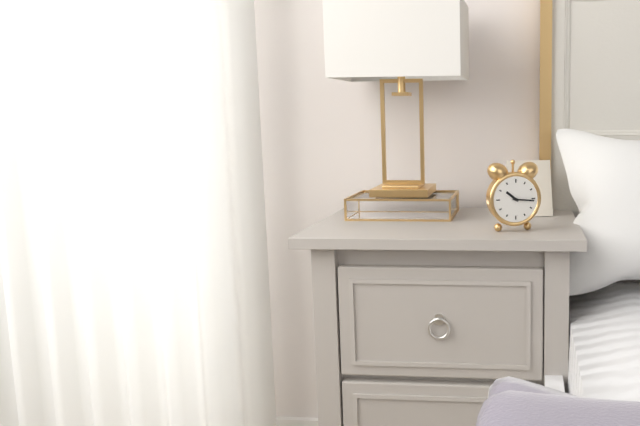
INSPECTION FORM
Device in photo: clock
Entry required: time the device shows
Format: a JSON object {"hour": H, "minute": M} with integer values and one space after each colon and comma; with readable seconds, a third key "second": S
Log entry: {"hour": 10, "minute": 16}
